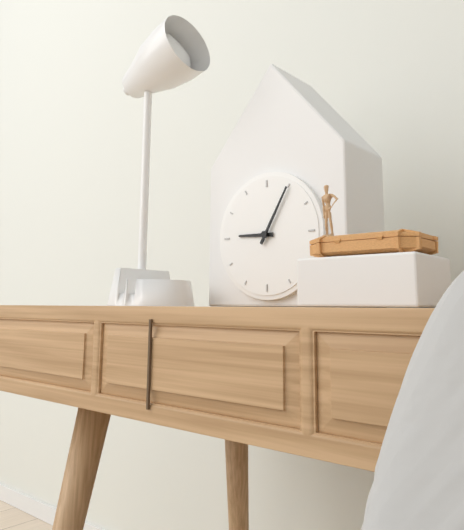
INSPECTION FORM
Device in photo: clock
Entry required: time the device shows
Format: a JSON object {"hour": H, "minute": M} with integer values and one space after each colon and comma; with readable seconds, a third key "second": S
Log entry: {"hour": 9, "minute": 5}
